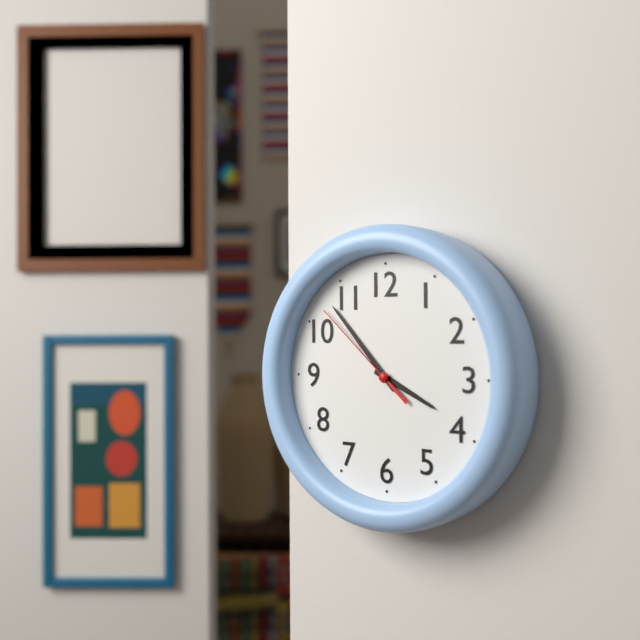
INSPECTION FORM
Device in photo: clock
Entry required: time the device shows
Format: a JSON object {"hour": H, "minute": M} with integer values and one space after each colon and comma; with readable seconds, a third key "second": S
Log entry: {"hour": 3, "minute": 53, "second": 52}
